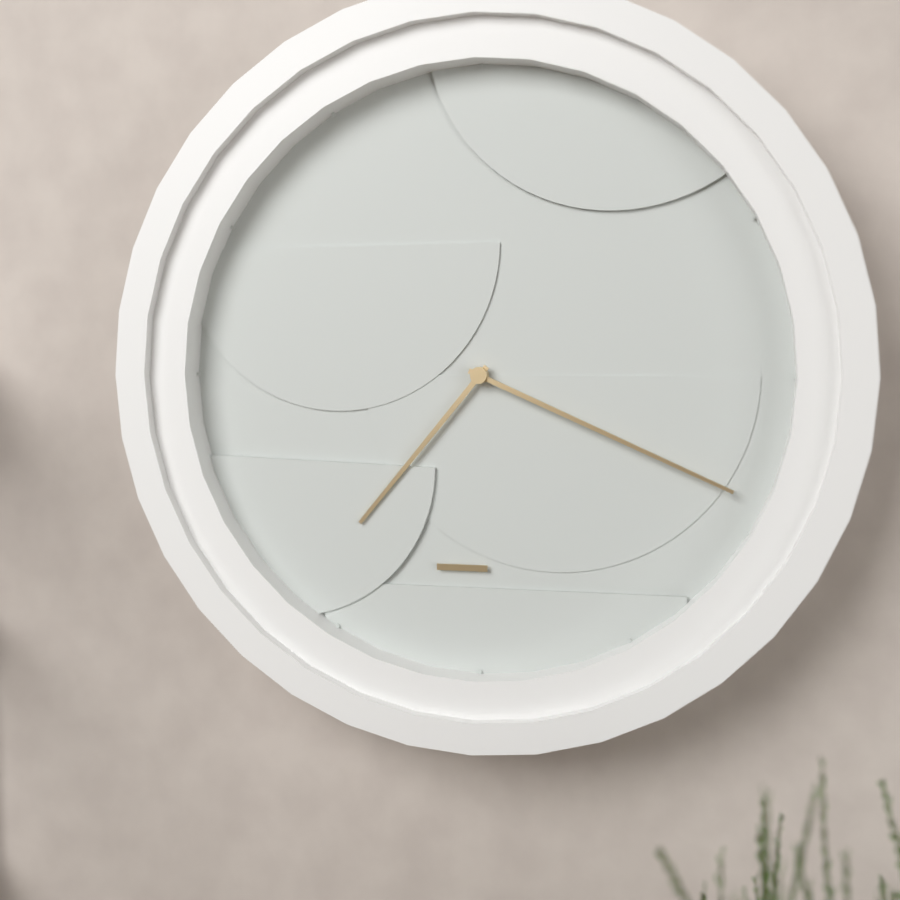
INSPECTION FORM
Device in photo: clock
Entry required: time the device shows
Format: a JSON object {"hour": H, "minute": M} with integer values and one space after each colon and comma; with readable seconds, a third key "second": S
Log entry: {"hour": 7, "minute": 19}
